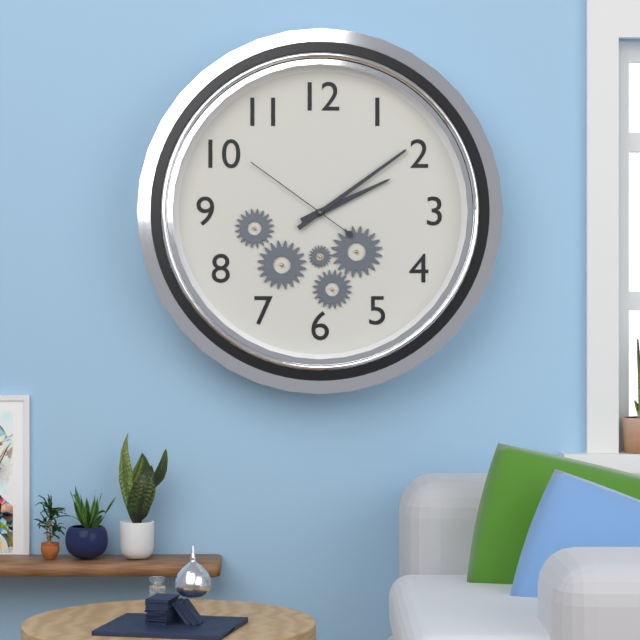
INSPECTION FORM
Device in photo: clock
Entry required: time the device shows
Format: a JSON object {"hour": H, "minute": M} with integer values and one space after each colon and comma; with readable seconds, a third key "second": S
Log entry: {"hour": 2, "minute": 9, "second": 51}
